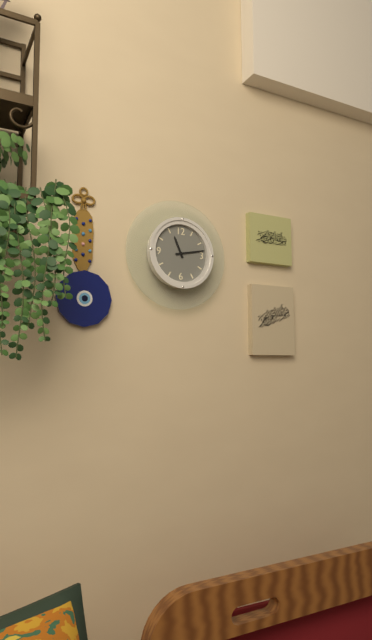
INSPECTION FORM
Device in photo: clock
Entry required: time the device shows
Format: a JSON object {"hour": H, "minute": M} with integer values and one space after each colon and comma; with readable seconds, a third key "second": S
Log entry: {"hour": 11, "minute": 13}
